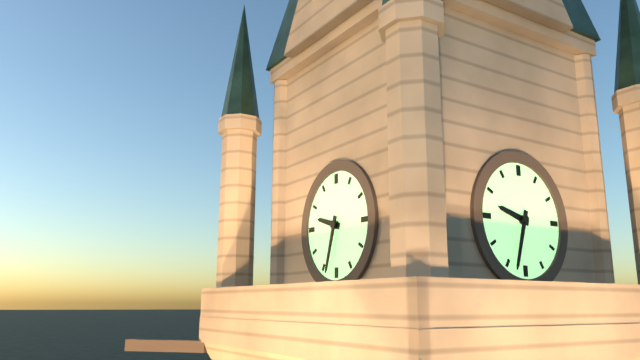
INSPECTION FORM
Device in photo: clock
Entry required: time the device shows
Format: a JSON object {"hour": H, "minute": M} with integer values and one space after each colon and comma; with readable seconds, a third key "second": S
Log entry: {"hour": 9, "minute": 33}
